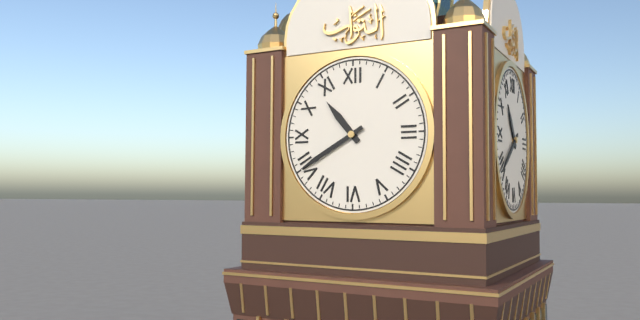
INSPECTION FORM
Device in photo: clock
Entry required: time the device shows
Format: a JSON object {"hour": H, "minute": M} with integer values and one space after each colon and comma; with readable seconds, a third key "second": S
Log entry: {"hour": 10, "minute": 40}
